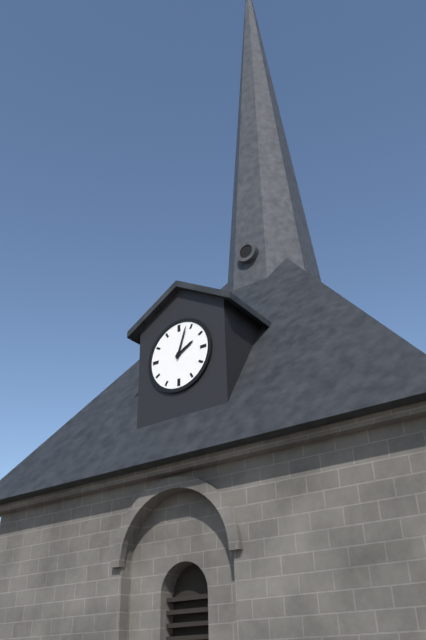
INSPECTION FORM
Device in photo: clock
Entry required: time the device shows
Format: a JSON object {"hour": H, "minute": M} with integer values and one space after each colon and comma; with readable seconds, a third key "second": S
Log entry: {"hour": 2, "minute": 3}
